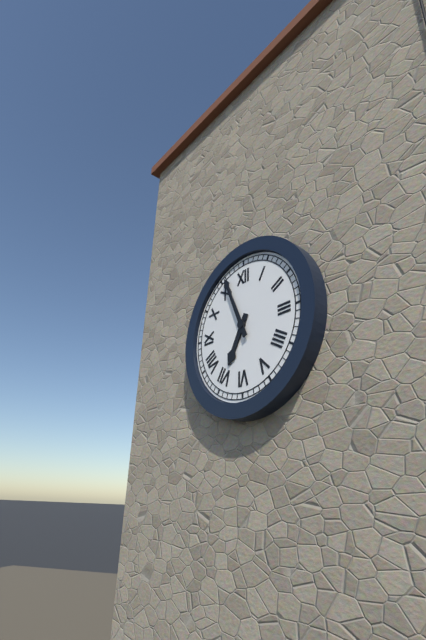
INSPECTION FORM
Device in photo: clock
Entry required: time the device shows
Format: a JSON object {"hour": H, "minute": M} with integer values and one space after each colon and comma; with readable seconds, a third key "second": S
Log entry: {"hour": 6, "minute": 56}
